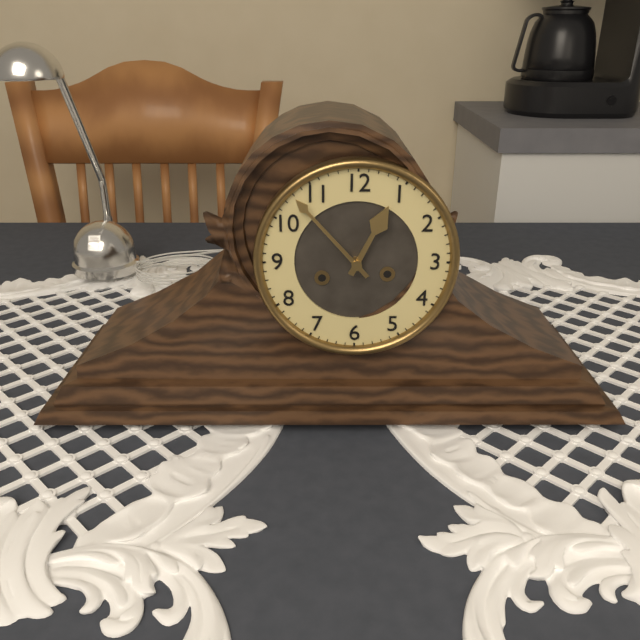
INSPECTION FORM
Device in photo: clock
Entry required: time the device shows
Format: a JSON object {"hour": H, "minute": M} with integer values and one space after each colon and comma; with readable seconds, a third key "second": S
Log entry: {"hour": 12, "minute": 53}
